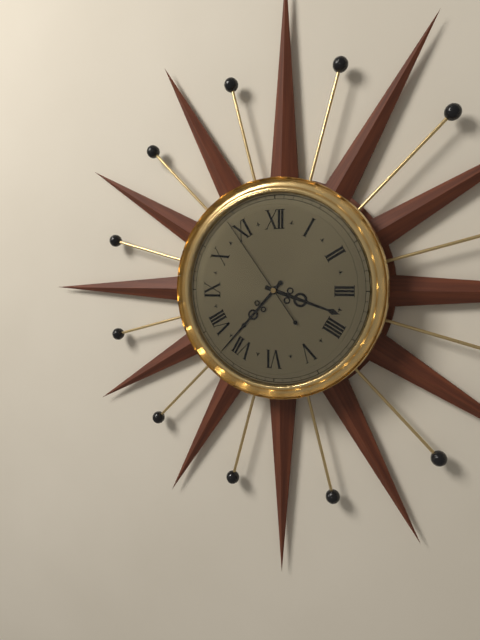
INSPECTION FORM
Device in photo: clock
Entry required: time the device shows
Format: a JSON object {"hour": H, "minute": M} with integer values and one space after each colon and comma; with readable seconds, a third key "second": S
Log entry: {"hour": 3, "minute": 37, "second": 54}
